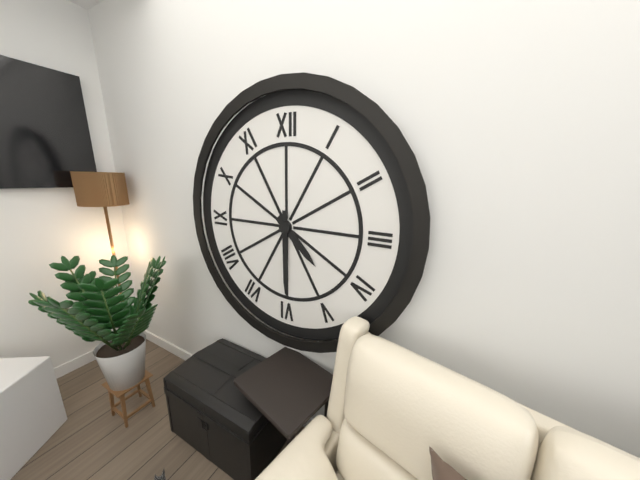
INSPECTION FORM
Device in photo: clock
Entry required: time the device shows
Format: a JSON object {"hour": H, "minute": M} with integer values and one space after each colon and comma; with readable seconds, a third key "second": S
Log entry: {"hour": 4, "minute": 30}
